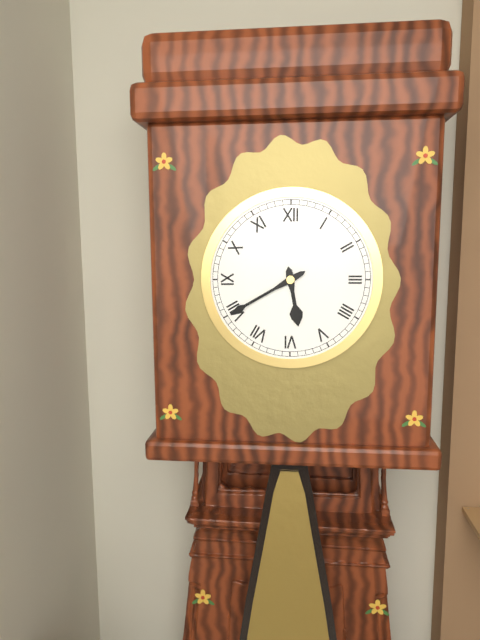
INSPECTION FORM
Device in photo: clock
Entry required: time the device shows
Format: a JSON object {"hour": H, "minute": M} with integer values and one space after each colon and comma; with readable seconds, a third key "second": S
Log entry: {"hour": 5, "minute": 40}
